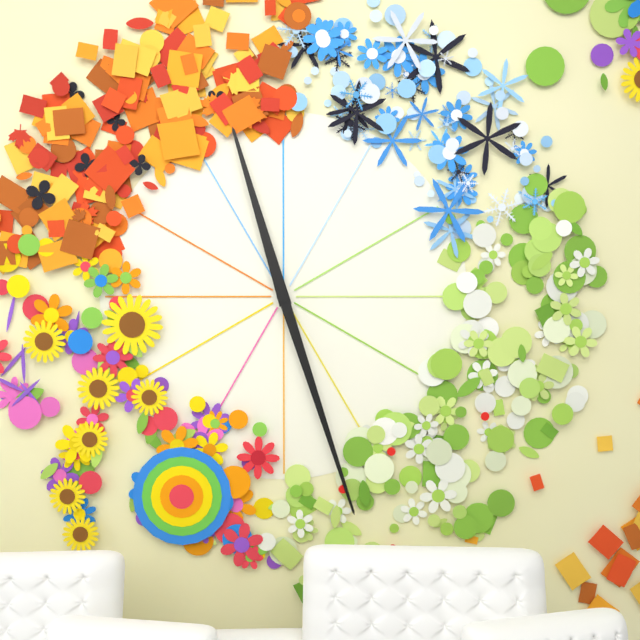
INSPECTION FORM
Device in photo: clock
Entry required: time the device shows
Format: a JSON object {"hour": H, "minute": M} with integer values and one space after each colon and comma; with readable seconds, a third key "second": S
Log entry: {"hour": 11, "minute": 27}
